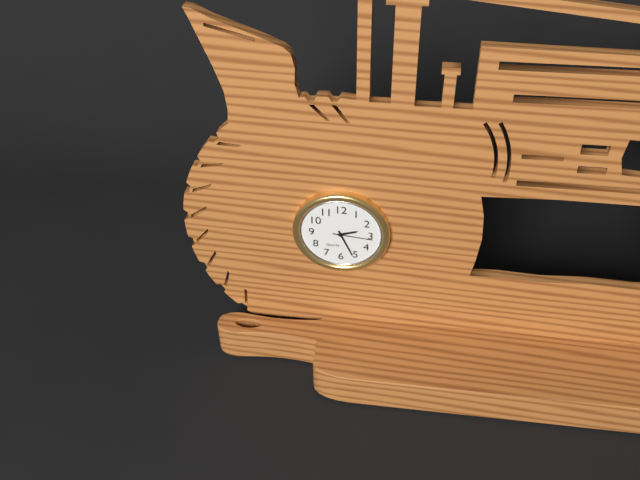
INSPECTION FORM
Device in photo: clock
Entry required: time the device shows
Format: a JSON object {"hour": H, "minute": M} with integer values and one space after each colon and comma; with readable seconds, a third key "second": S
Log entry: {"hour": 2, "minute": 26}
